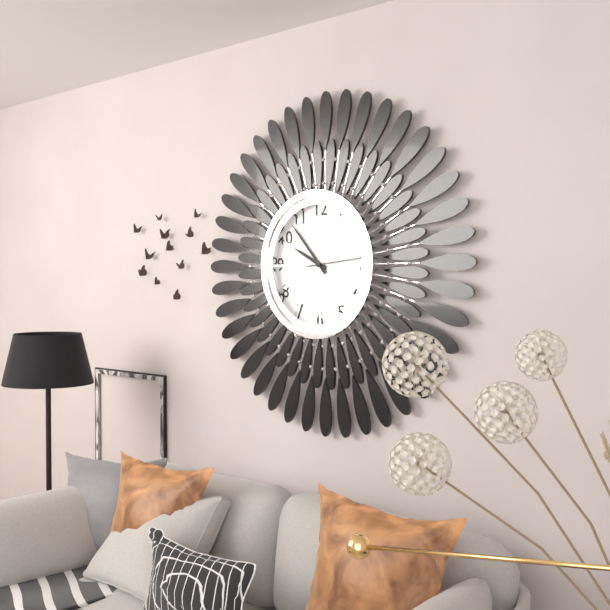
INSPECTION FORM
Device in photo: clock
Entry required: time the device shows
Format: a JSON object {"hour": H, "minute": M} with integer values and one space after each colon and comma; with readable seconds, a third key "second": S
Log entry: {"hour": 9, "minute": 53, "second": 14}
